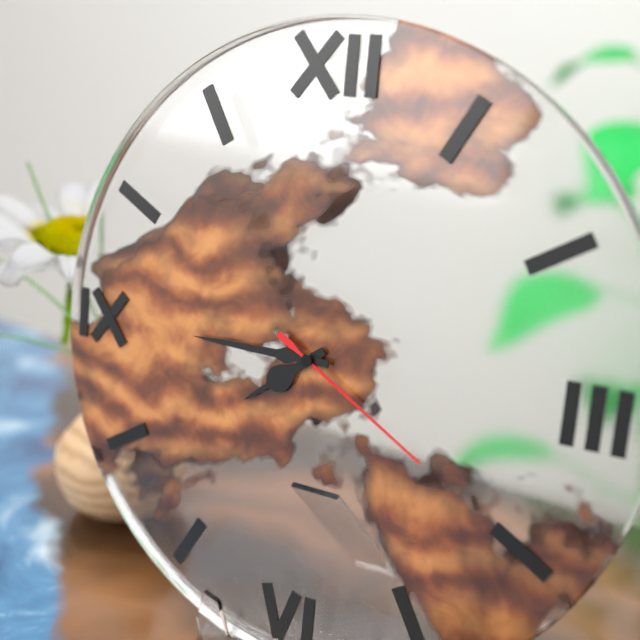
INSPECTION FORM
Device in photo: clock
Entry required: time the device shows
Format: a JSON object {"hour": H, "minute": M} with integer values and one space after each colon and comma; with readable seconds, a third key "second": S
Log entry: {"hour": 7, "minute": 45, "second": 20}
